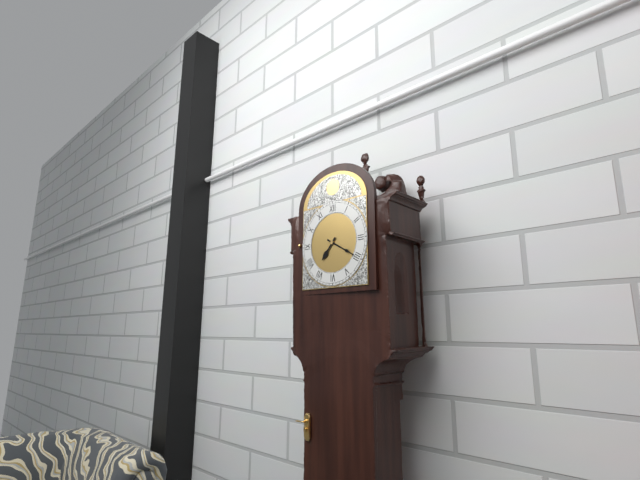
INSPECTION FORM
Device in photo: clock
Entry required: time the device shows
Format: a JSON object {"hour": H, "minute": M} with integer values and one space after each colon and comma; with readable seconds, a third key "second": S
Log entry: {"hour": 7, "minute": 20}
